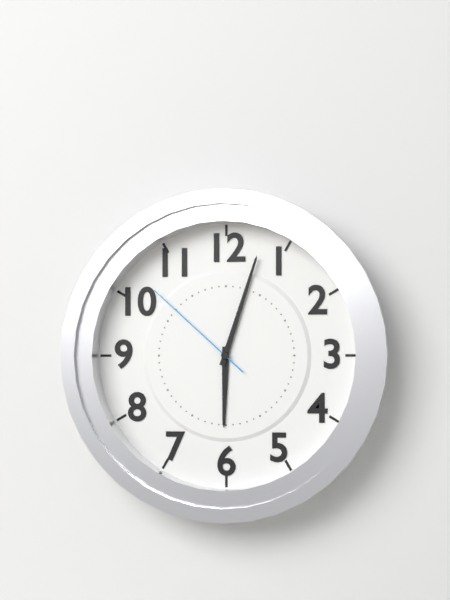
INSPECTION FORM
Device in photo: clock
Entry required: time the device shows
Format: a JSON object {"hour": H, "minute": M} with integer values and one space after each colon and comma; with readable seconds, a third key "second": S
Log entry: {"hour": 6, "minute": 3, "second": 52}
